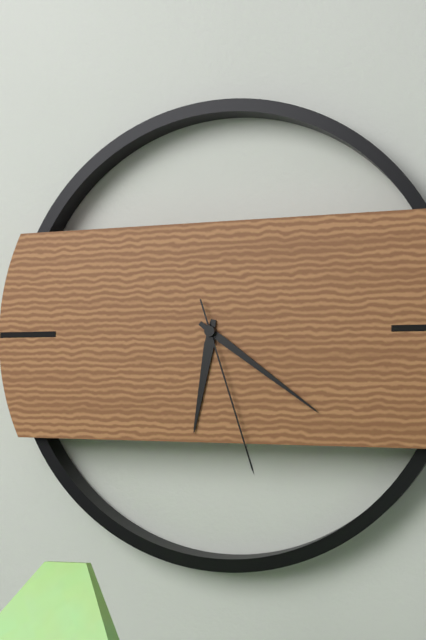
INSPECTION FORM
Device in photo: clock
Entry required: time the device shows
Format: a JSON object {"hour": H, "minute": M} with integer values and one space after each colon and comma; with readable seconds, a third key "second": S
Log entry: {"hour": 6, "minute": 21, "second": 27}
